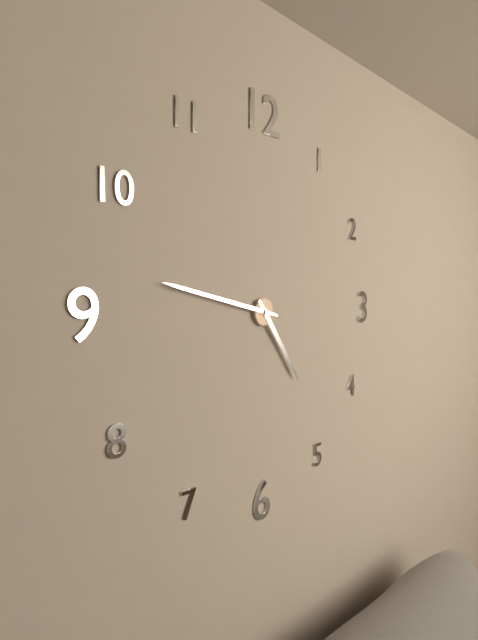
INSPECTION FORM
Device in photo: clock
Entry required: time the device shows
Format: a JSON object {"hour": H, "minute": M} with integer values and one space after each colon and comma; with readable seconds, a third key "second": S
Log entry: {"hour": 4, "minute": 47}
